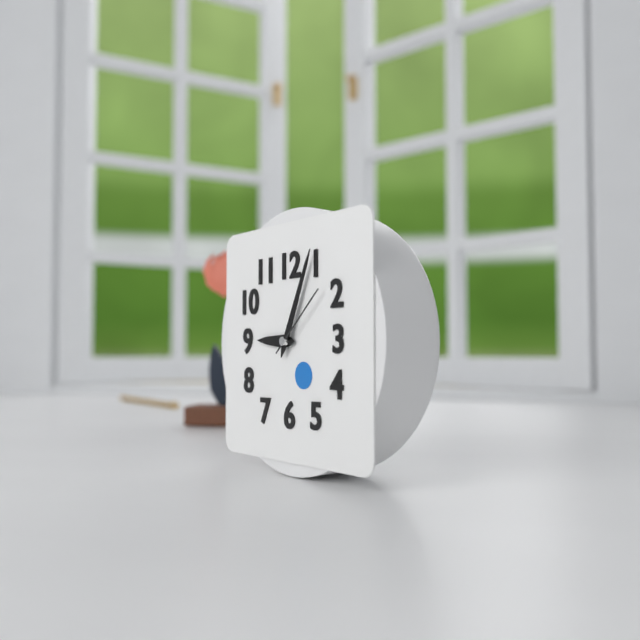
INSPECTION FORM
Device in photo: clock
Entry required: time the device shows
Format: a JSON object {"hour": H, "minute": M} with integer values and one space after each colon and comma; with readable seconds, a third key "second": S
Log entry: {"hour": 9, "minute": 4, "second": 8}
